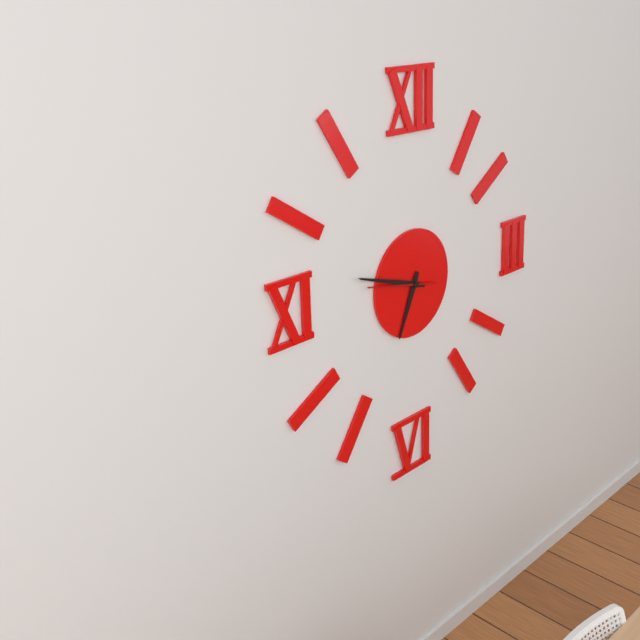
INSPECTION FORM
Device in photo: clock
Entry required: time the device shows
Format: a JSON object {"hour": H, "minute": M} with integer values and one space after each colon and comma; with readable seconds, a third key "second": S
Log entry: {"hour": 6, "minute": 48, "second": 47}
